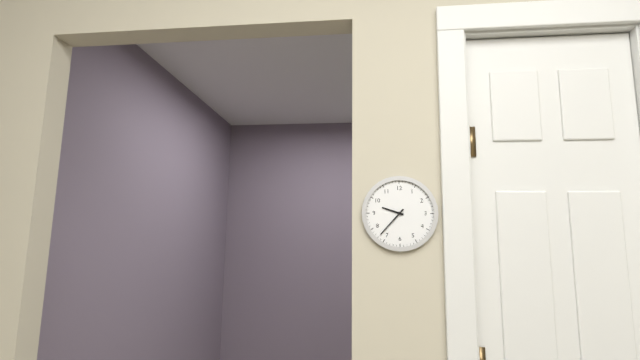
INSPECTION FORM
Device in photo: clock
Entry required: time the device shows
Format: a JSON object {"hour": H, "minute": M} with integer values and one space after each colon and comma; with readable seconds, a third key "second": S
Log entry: {"hour": 9, "minute": 37}
